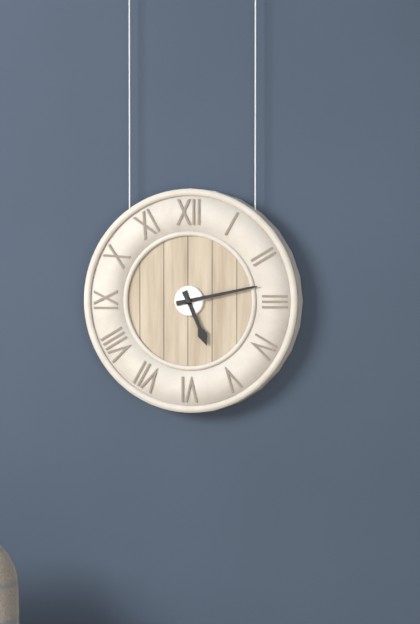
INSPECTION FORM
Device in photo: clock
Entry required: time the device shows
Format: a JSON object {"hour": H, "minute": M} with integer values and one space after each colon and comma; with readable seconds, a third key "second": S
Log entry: {"hour": 5, "minute": 13}
